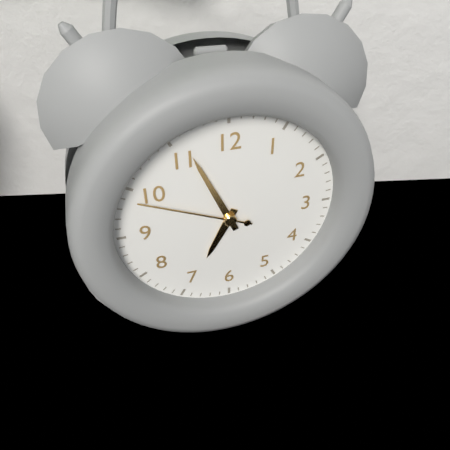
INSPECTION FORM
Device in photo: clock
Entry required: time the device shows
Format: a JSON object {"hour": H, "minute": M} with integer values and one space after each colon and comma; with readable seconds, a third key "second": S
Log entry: {"hour": 6, "minute": 56, "second": 49}
